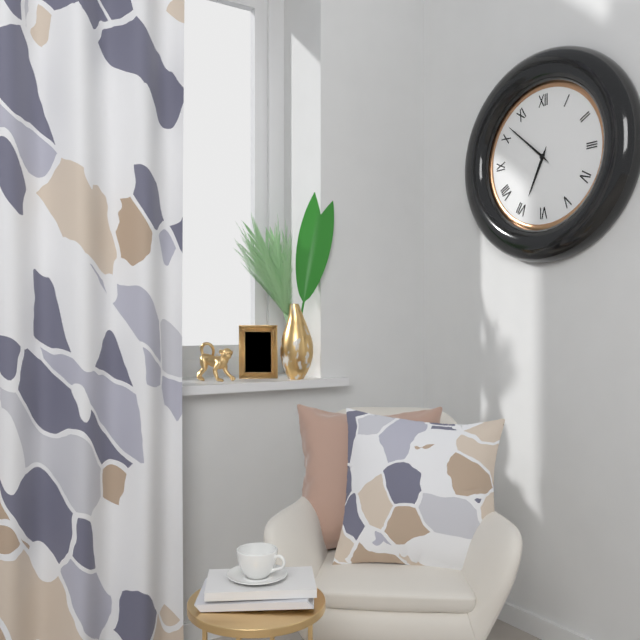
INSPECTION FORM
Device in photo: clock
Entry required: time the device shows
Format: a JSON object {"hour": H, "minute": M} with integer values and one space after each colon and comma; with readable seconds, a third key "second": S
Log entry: {"hour": 6, "minute": 52}
